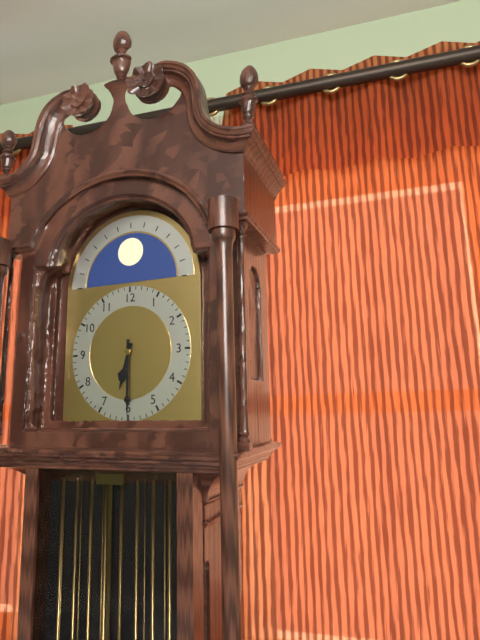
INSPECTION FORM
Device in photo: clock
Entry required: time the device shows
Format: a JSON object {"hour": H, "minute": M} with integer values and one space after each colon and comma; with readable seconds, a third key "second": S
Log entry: {"hour": 6, "minute": 30}
